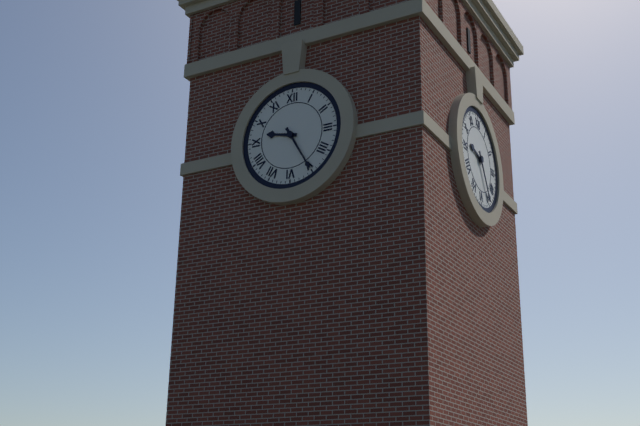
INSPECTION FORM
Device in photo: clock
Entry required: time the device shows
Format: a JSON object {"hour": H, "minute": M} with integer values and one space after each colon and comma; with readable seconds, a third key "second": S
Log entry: {"hour": 9, "minute": 25}
